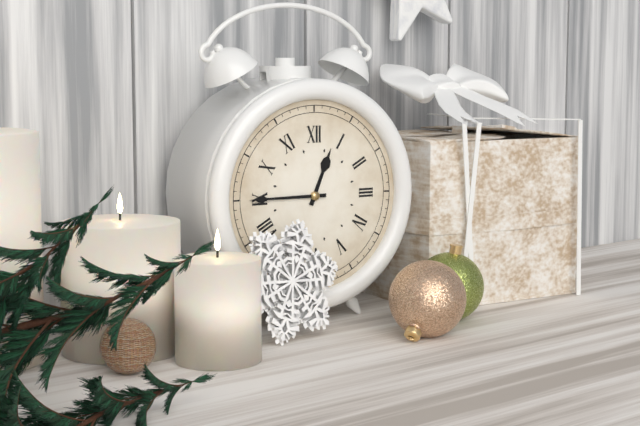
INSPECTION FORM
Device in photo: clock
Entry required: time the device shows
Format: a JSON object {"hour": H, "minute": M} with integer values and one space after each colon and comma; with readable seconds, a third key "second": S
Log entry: {"hour": 12, "minute": 45}
